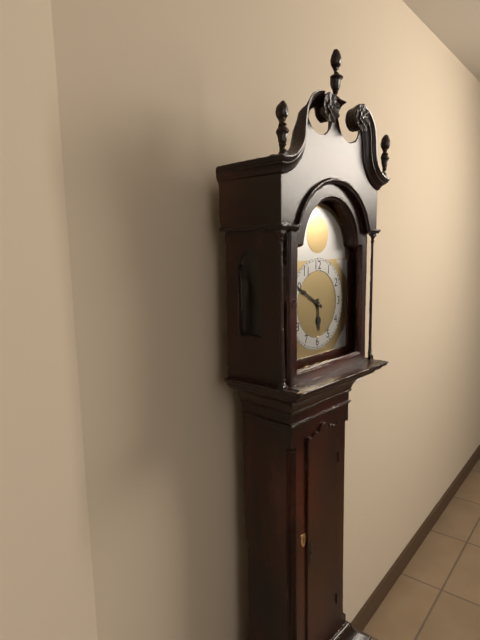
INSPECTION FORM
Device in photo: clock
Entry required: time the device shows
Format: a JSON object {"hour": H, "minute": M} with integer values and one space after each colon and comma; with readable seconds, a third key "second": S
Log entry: {"hour": 5, "minute": 50}
